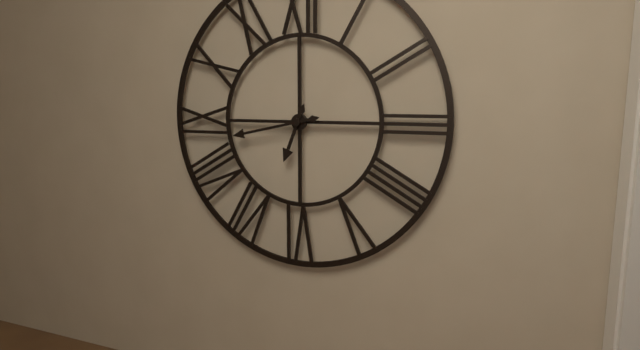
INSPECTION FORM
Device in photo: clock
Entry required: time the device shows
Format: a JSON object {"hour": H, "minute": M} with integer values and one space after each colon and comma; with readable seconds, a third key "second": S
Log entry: {"hour": 6, "minute": 43}
